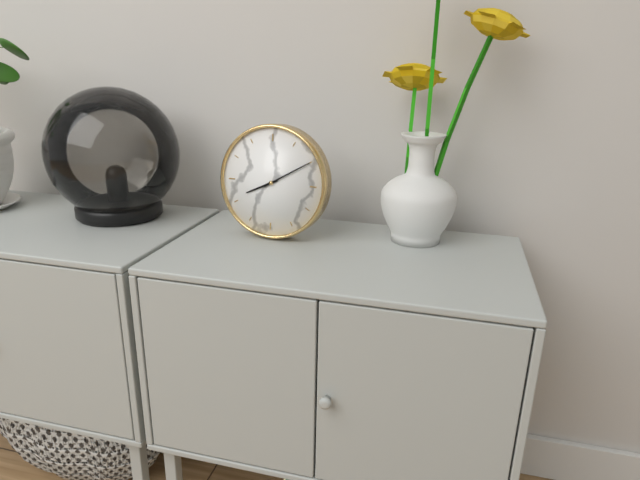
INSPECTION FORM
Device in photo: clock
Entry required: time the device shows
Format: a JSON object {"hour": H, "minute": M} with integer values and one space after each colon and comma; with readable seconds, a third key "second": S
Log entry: {"hour": 8, "minute": 10}
